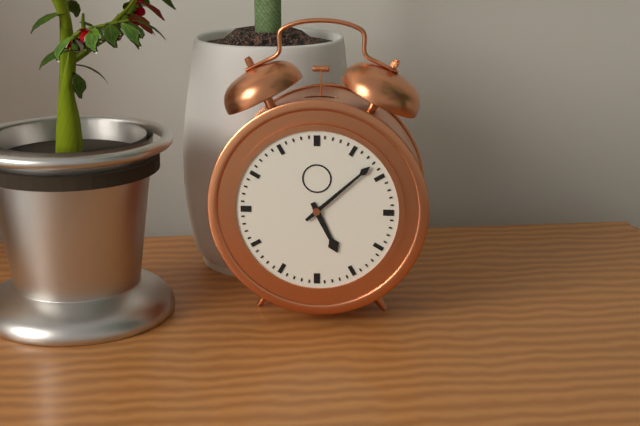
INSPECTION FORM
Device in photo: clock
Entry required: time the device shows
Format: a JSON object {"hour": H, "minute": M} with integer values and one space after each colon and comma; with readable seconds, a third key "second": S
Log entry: {"hour": 5, "minute": 8}
